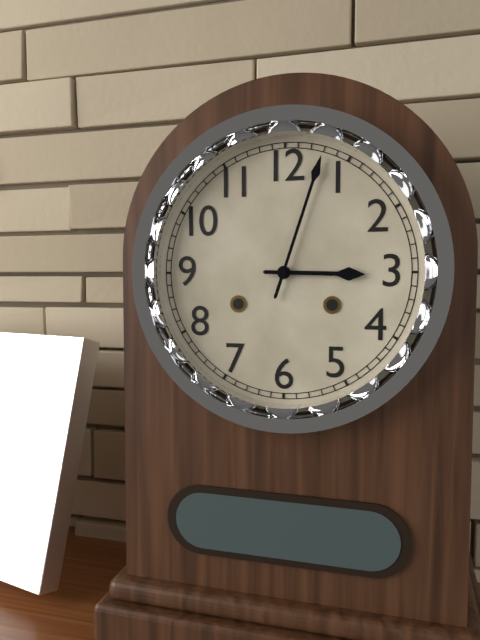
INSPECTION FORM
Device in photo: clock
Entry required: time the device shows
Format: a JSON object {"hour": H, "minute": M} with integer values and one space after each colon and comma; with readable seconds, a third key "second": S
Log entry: {"hour": 3, "minute": 3}
